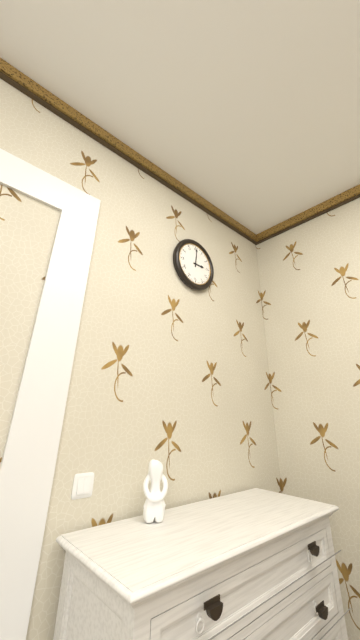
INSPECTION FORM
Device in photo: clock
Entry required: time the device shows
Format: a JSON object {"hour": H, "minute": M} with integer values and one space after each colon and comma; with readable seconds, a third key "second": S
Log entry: {"hour": 3, "minute": 1}
